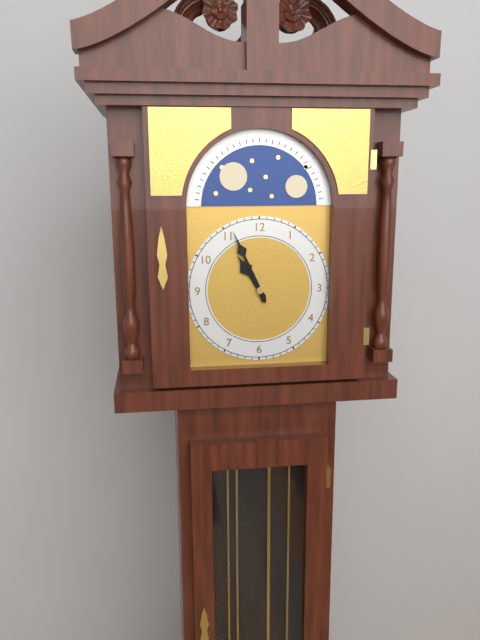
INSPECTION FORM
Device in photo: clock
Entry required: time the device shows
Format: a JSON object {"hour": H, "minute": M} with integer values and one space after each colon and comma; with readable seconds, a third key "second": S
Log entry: {"hour": 10, "minute": 56}
